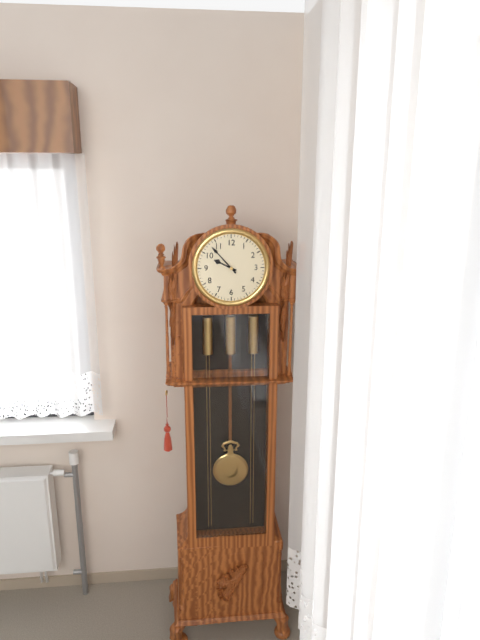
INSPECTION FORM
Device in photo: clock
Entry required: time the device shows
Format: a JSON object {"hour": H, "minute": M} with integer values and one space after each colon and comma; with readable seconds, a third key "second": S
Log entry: {"hour": 9, "minute": 53}
